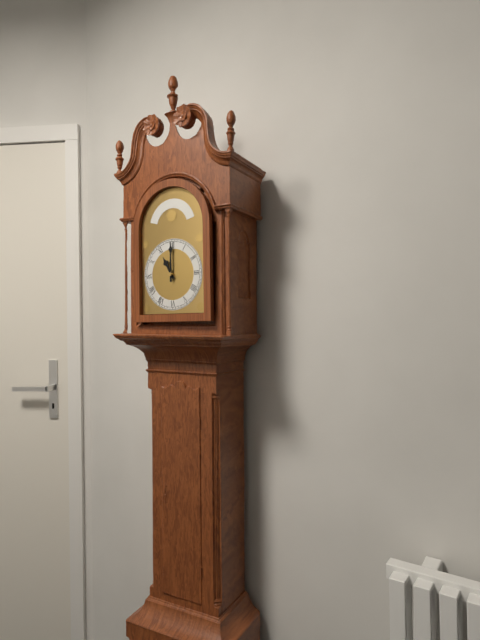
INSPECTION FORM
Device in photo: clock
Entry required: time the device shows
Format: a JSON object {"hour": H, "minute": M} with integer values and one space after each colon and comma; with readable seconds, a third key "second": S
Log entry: {"hour": 11, "minute": 0}
